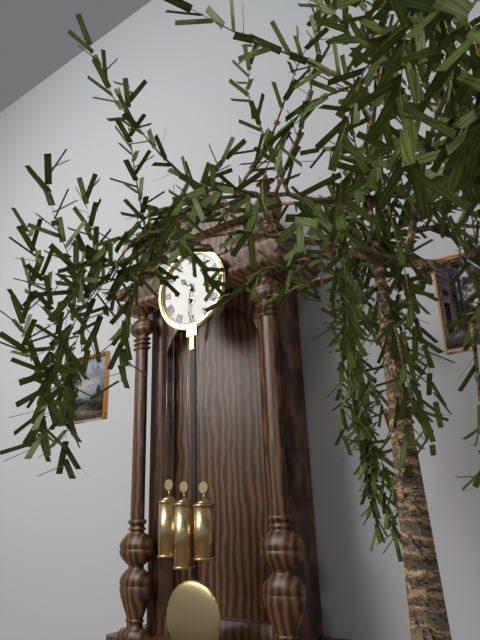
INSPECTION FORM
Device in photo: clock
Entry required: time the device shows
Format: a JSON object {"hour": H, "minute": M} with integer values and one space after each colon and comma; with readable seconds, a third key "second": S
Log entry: {"hour": 10, "minute": 31}
